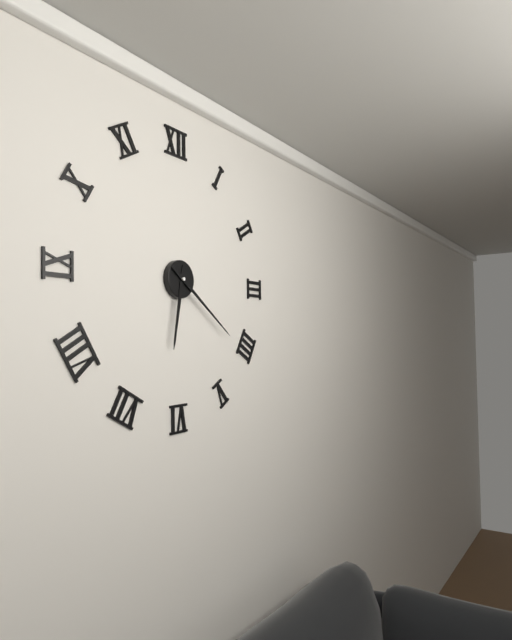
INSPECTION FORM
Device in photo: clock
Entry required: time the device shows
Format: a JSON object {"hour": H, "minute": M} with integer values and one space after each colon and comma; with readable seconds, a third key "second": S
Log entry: {"hour": 6, "minute": 21}
